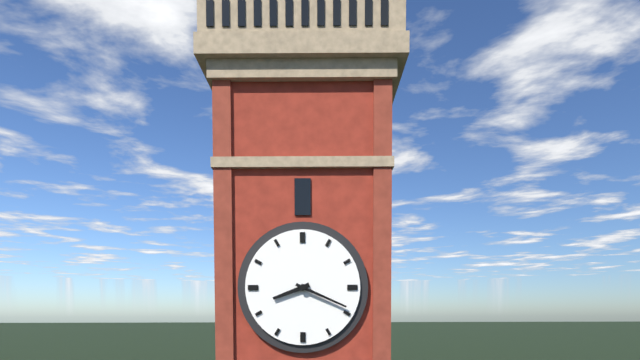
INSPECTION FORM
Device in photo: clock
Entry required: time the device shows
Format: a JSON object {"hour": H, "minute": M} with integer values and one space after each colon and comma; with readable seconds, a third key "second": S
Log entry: {"hour": 8, "minute": 19}
